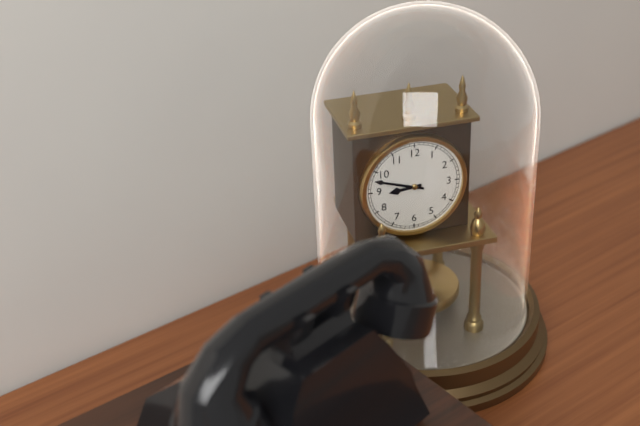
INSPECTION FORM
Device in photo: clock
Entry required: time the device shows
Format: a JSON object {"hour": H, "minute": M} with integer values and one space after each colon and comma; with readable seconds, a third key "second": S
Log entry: {"hour": 8, "minute": 48}
